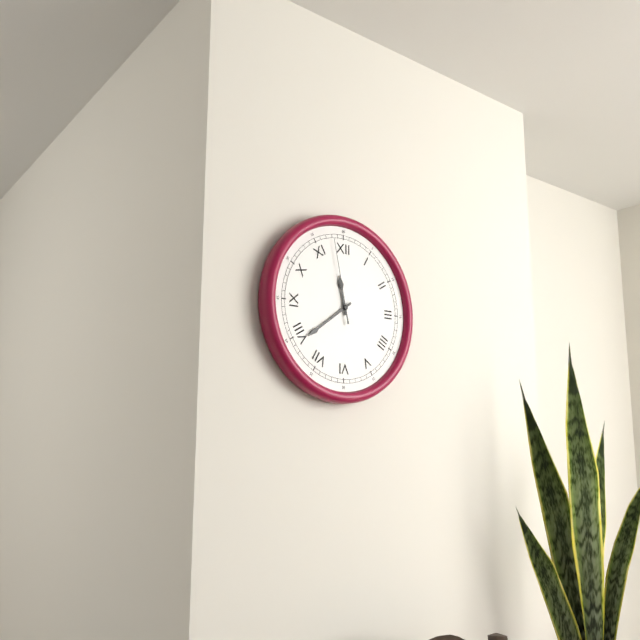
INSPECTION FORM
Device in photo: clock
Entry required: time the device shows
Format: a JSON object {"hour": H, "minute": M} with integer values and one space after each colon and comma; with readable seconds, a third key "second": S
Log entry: {"hour": 11, "minute": 39, "second": 58}
